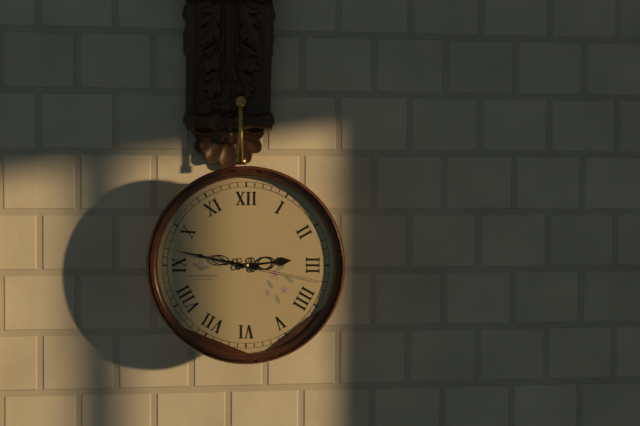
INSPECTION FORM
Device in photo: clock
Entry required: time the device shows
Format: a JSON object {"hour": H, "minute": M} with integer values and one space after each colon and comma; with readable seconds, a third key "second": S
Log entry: {"hour": 2, "minute": 47, "second": 17}
